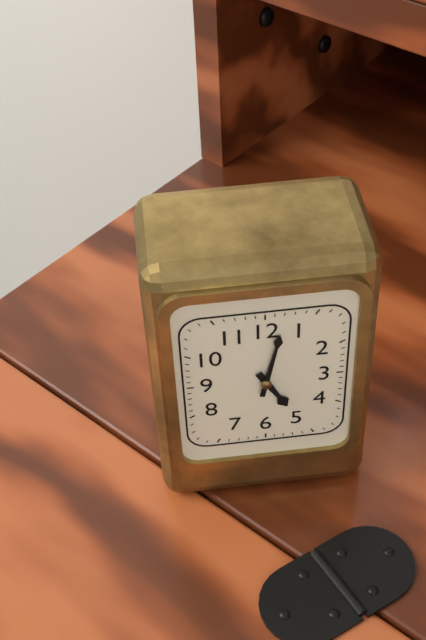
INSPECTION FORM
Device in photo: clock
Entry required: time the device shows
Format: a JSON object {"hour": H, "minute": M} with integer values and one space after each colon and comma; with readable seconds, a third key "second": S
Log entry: {"hour": 5, "minute": 2}
